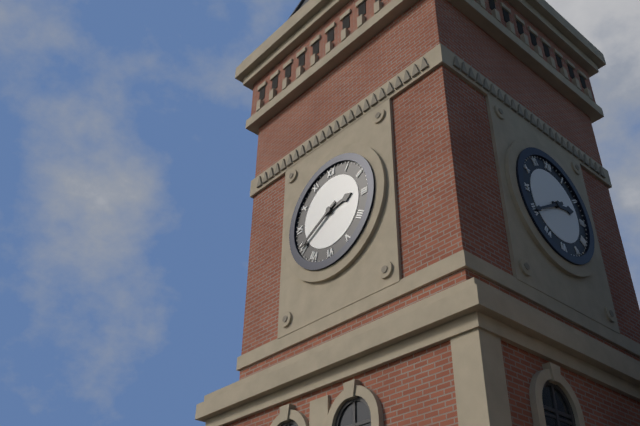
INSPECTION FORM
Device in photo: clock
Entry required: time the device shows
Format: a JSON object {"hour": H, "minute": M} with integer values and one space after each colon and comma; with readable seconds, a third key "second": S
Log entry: {"hour": 2, "minute": 40}
